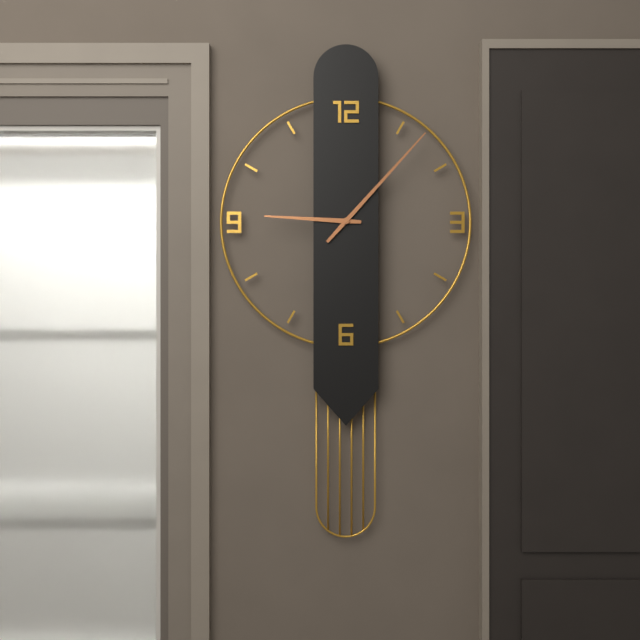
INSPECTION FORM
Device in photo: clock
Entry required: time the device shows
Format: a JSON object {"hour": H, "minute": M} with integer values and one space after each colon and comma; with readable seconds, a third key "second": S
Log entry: {"hour": 9, "minute": 7}
